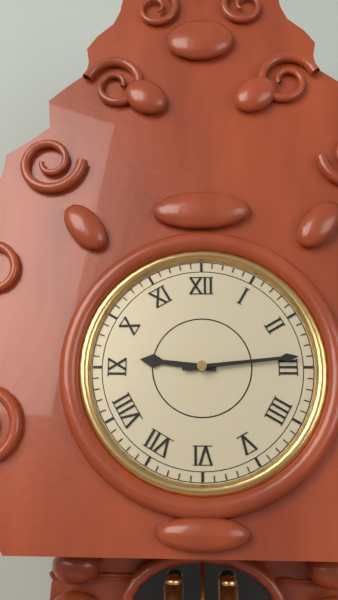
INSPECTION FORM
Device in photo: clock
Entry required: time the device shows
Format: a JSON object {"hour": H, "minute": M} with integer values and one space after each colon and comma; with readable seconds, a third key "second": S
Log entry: {"hour": 9, "minute": 14}
